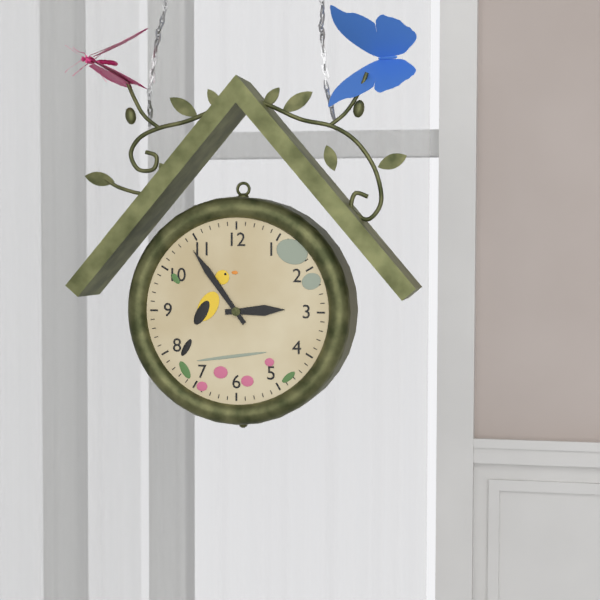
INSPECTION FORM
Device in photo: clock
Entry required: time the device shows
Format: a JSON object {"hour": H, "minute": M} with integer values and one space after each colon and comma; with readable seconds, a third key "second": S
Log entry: {"hour": 2, "minute": 54}
